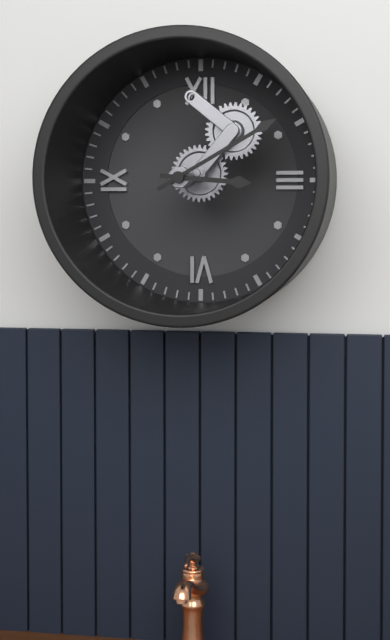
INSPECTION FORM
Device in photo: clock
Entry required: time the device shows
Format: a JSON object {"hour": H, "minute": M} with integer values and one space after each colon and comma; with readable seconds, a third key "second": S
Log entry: {"hour": 3, "minute": 10}
